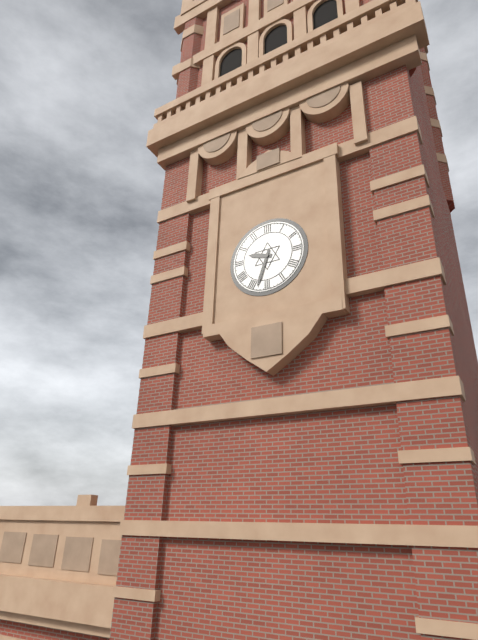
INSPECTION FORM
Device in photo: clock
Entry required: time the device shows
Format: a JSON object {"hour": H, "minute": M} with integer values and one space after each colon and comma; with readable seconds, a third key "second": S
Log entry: {"hour": 9, "minute": 33}
